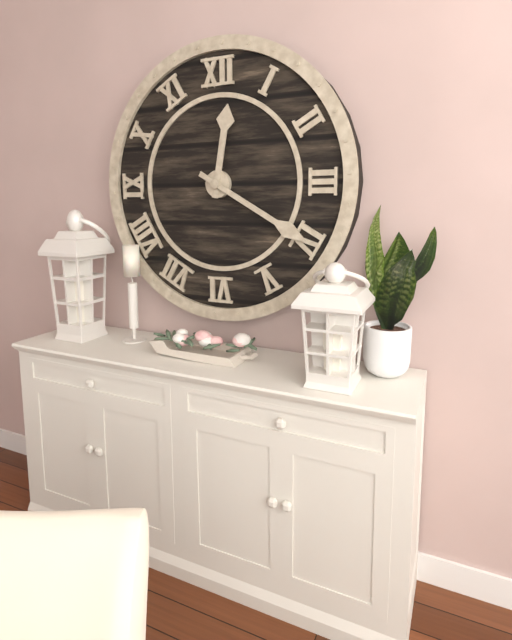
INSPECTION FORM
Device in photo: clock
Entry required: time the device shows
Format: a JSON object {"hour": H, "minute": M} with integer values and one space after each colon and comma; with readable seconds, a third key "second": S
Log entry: {"hour": 12, "minute": 20}
